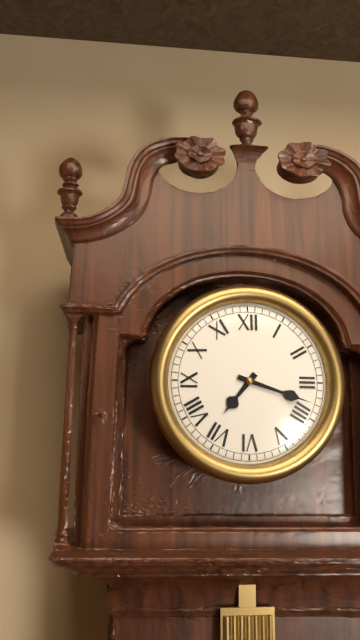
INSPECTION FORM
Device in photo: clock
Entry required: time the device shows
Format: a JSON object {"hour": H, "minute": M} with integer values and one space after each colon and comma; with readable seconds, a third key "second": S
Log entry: {"hour": 7, "minute": 18}
